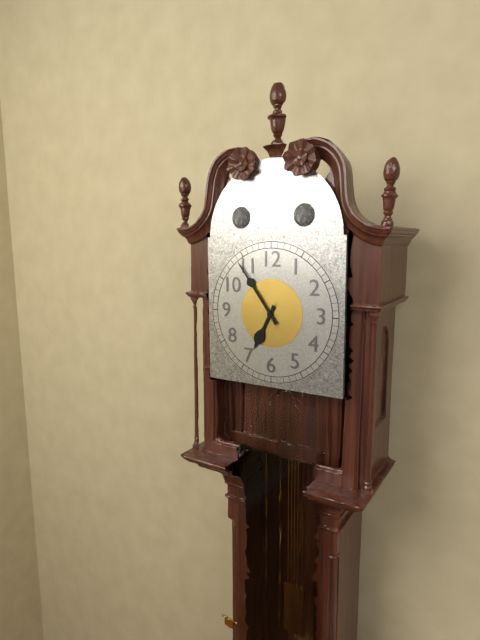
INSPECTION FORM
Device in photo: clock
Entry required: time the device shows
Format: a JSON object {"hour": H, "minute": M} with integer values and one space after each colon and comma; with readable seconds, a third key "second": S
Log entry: {"hour": 6, "minute": 54}
